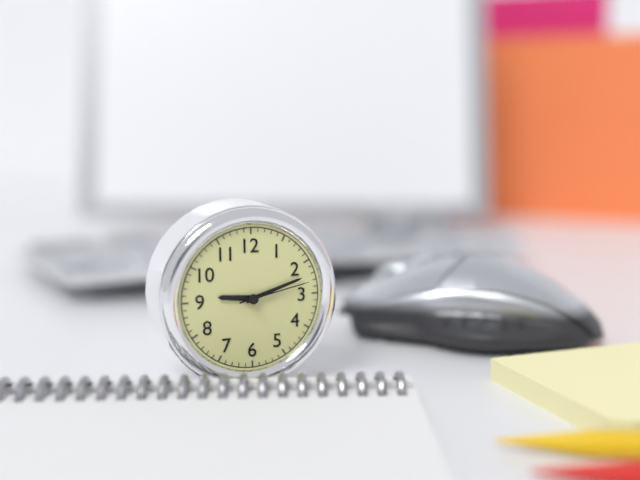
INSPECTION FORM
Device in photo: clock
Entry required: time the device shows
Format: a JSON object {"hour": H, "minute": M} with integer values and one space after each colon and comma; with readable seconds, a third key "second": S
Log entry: {"hour": 9, "minute": 12, "second": 13}
